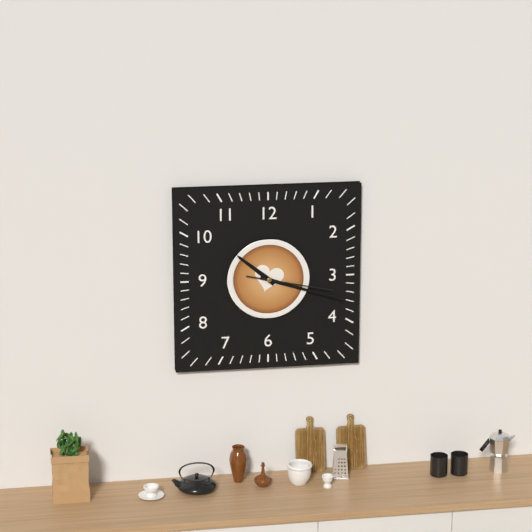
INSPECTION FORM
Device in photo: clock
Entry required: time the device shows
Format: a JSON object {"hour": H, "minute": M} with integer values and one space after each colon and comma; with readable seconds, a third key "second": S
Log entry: {"hour": 10, "minute": 18, "second": 17}
